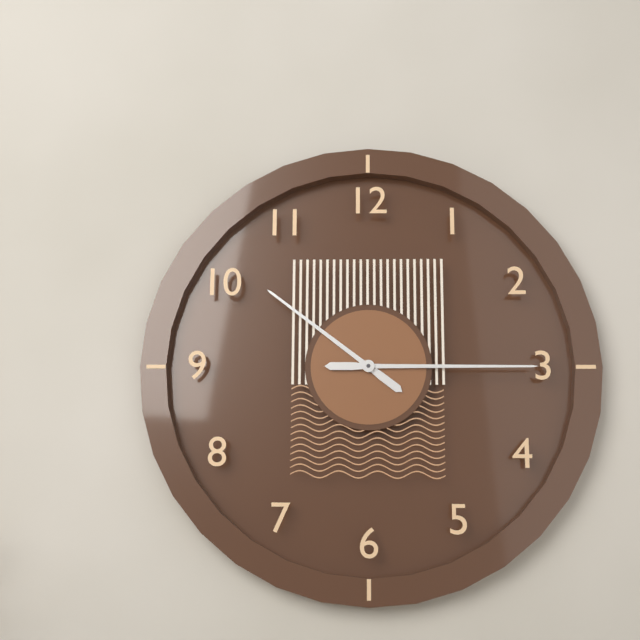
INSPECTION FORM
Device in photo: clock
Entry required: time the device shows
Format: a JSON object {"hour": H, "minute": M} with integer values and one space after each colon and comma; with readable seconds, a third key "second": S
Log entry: {"hour": 10, "minute": 15}
